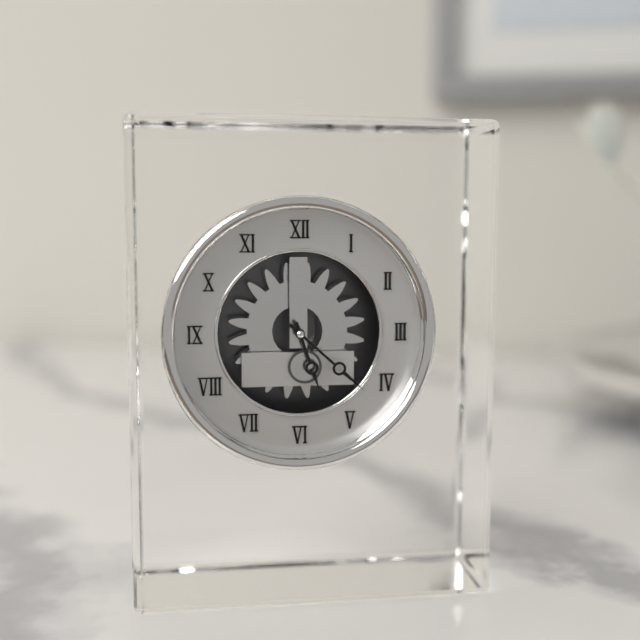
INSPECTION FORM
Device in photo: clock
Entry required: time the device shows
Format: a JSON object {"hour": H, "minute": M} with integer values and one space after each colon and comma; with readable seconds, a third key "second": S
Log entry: {"hour": 5, "minute": 22}
